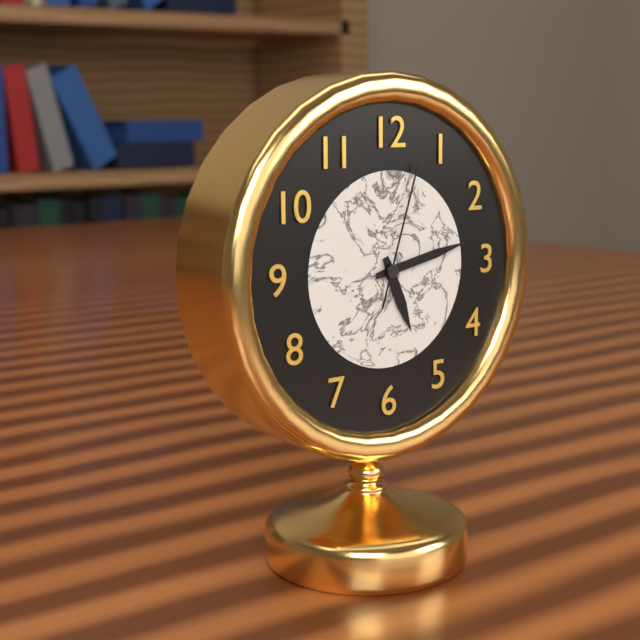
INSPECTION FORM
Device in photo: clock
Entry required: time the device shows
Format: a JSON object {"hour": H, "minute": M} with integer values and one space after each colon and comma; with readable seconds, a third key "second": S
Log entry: {"hour": 5, "minute": 13, "second": 3}
